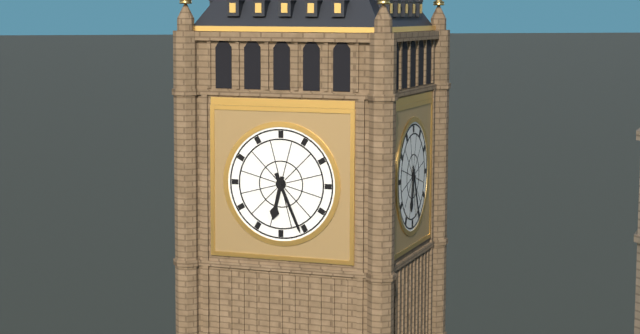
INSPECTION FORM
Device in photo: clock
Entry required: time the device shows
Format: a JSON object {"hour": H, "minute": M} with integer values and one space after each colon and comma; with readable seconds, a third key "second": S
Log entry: {"hour": 6, "minute": 26}
